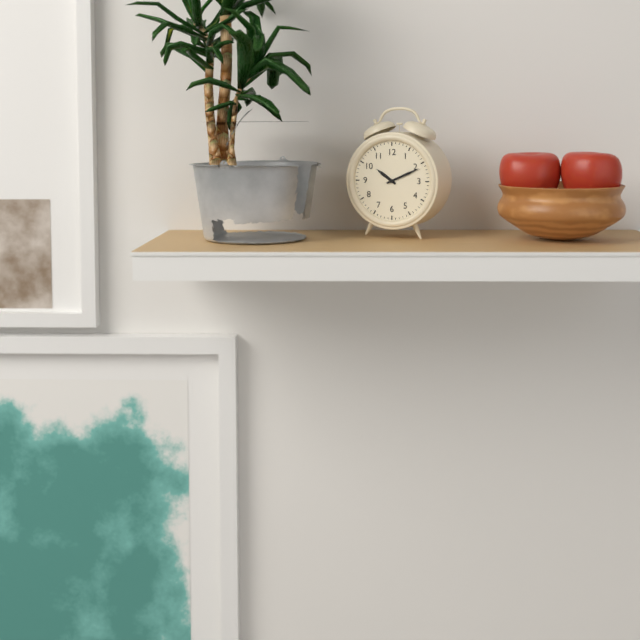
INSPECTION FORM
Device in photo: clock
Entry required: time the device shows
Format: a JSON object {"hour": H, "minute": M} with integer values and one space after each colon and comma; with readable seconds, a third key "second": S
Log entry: {"hour": 10, "minute": 11}
